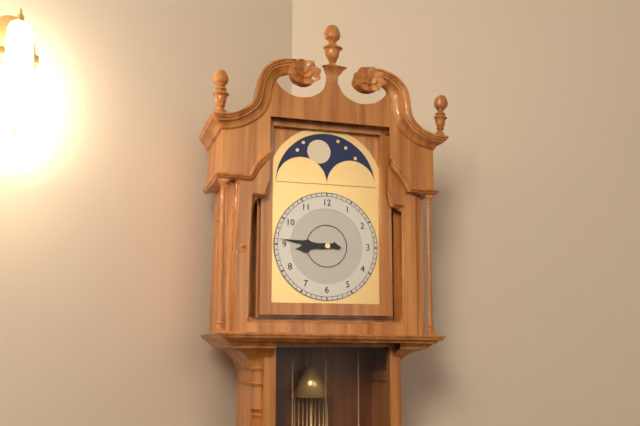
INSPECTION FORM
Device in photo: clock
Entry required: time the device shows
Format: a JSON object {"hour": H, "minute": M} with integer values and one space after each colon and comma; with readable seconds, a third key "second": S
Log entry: {"hour": 8, "minute": 46}
